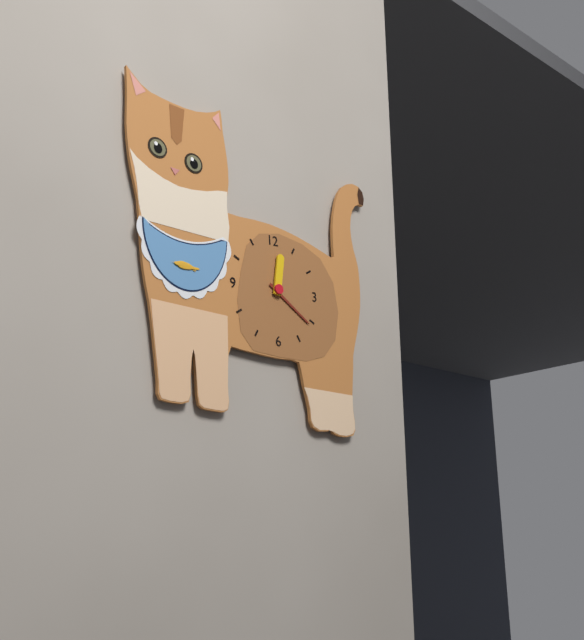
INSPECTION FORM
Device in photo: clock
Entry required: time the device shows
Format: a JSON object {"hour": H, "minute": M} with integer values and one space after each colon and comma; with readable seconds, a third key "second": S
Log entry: {"hour": 12, "minute": 21}
